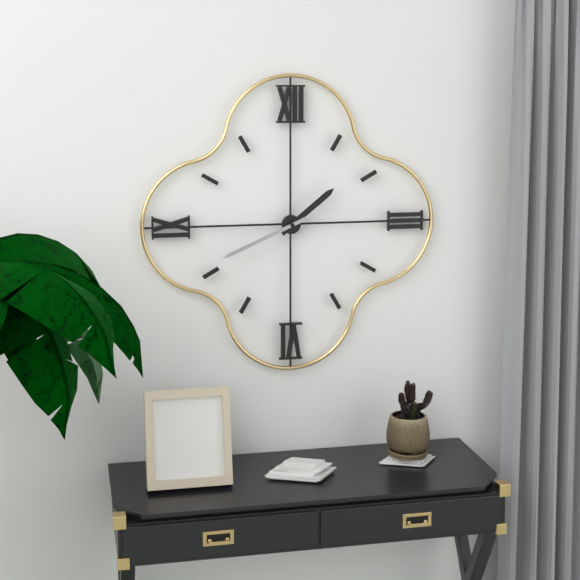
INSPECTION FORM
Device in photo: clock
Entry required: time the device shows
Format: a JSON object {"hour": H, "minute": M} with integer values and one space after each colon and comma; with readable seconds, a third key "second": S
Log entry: {"hour": 1, "minute": 41}
